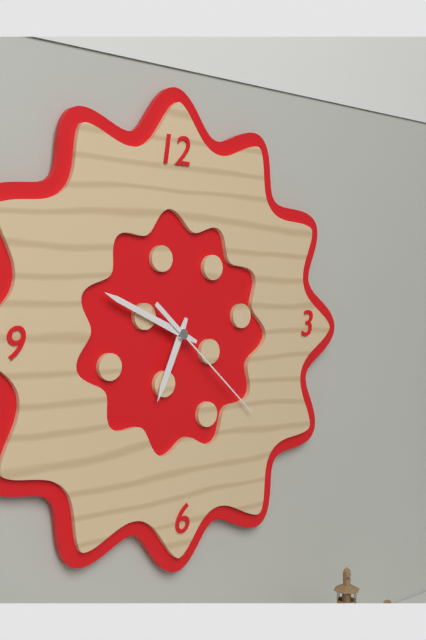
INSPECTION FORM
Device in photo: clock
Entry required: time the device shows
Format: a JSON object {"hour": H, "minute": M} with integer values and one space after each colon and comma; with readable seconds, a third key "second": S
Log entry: {"hour": 6, "minute": 49, "second": 22}
